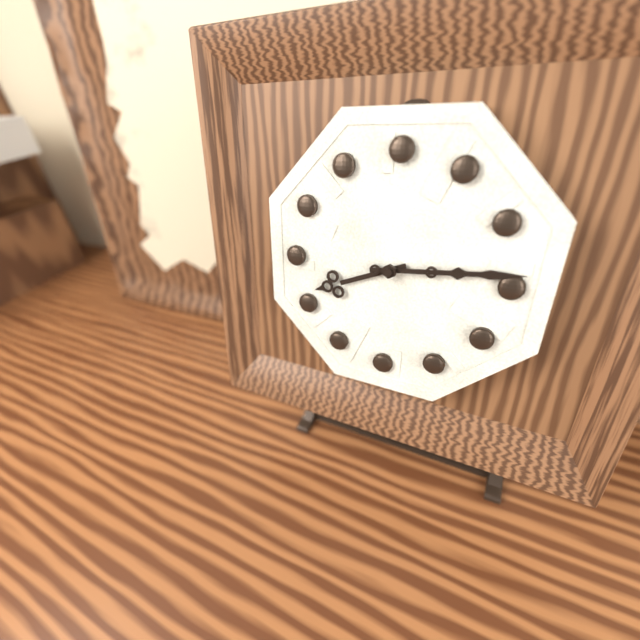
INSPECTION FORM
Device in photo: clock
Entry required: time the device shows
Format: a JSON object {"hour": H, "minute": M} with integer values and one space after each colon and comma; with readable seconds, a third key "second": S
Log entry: {"hour": 8, "minute": 14}
